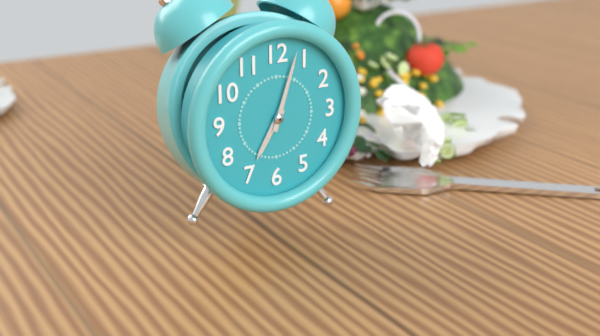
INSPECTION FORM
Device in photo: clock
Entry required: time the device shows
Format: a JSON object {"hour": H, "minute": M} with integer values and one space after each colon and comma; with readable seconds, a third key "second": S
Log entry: {"hour": 7, "minute": 3}
